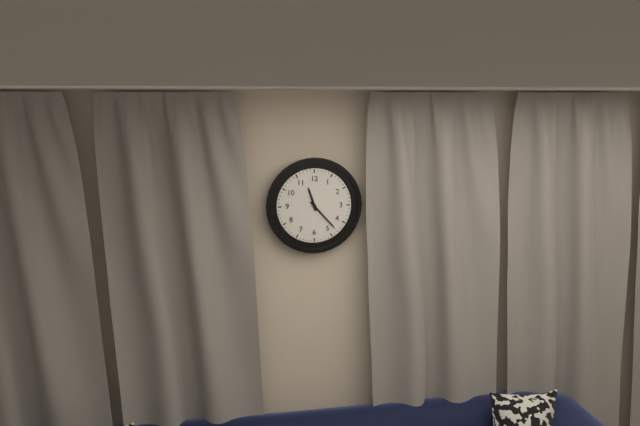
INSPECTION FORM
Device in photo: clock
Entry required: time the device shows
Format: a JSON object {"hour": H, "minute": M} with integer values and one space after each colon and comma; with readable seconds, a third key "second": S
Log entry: {"hour": 11, "minute": 23}
